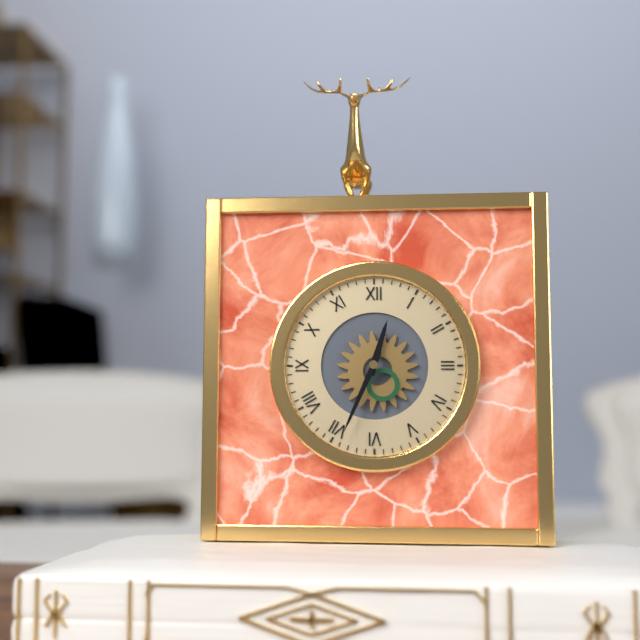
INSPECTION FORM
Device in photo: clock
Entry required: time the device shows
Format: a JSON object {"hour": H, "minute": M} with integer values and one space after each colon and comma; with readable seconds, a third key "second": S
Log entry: {"hour": 12, "minute": 34}
